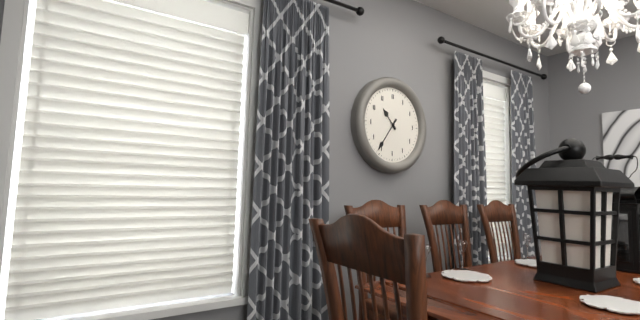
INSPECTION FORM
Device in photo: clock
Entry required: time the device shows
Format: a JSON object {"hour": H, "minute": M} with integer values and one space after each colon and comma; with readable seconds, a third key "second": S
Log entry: {"hour": 10, "minute": 36}
